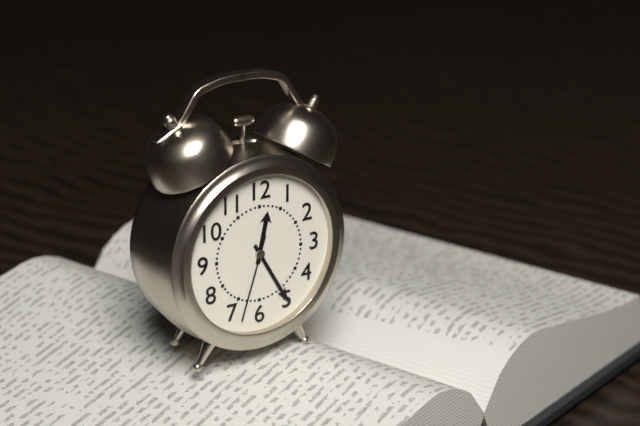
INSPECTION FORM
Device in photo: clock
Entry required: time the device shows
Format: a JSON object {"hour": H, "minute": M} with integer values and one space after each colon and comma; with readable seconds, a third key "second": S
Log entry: {"hour": 12, "minute": 25, "second": 33}
